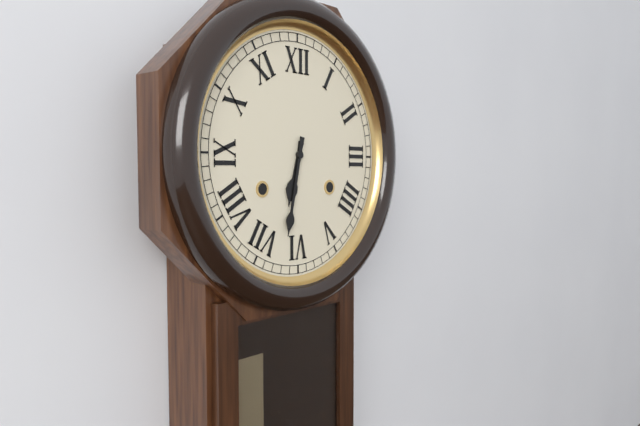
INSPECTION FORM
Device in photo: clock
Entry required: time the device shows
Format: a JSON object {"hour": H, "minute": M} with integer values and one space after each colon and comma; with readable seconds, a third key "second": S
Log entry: {"hour": 6, "minute": 32}
